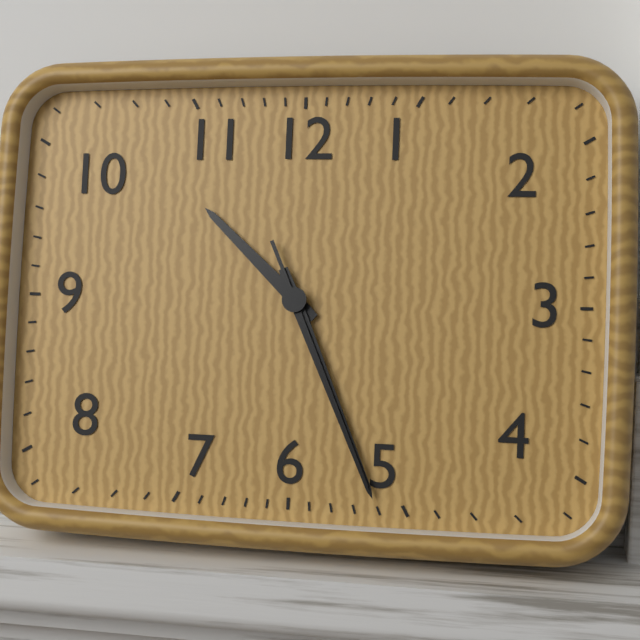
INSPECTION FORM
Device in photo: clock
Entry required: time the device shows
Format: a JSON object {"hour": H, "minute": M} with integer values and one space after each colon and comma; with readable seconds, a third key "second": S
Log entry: {"hour": 10, "minute": 26, "second": 26}
